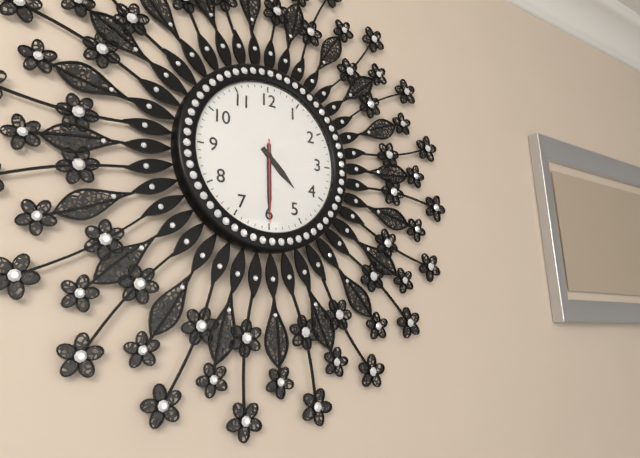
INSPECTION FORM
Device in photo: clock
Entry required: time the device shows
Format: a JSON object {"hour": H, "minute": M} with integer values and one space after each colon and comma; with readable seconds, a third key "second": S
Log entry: {"hour": 4, "minute": 30, "second": 30}
